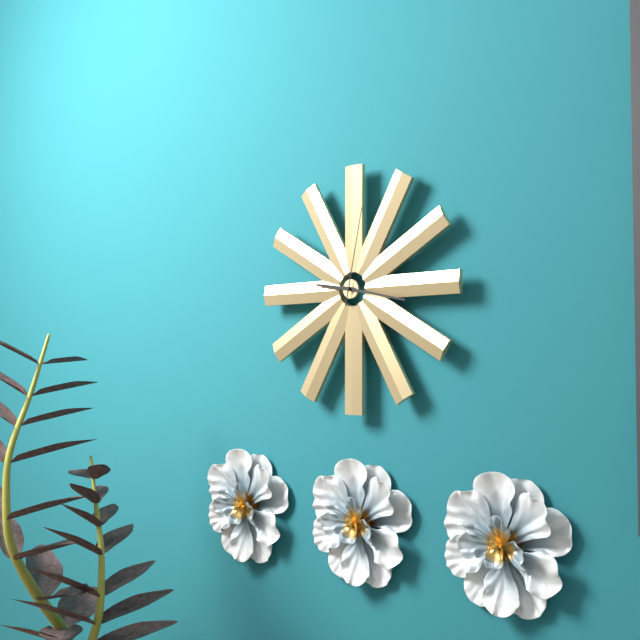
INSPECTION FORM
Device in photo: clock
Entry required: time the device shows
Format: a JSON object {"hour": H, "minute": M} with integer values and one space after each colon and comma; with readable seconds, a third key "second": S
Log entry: {"hour": 9, "minute": 17, "second": 2}
